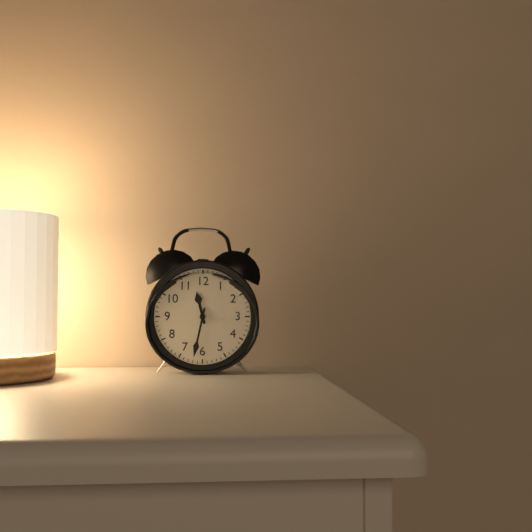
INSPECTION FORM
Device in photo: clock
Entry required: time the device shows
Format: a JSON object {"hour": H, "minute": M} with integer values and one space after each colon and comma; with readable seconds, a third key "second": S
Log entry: {"hour": 11, "minute": 32}
